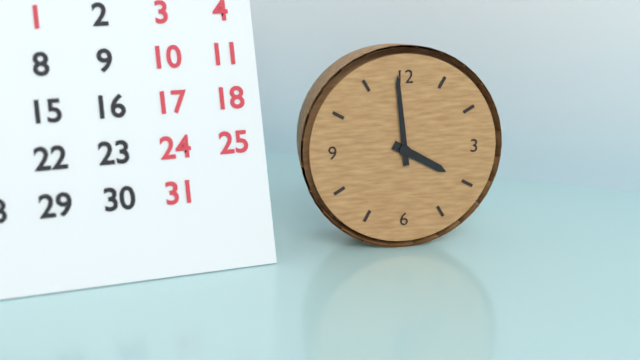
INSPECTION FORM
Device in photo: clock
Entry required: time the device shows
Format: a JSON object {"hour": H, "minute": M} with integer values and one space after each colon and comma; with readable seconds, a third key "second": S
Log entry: {"hour": 3, "minute": 59}
